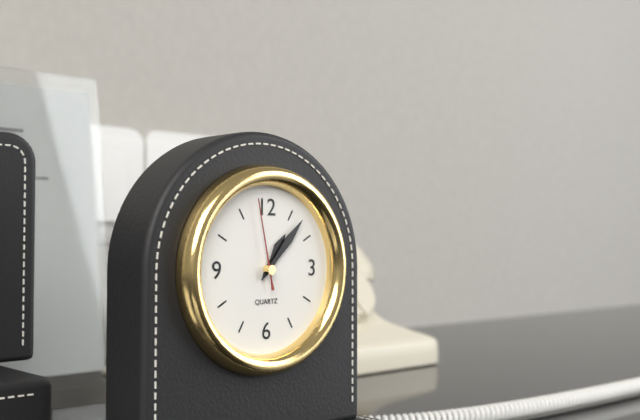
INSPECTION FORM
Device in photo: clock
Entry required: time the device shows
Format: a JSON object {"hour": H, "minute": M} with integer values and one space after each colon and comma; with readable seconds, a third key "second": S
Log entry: {"hour": 1, "minute": 7, "second": 58}
